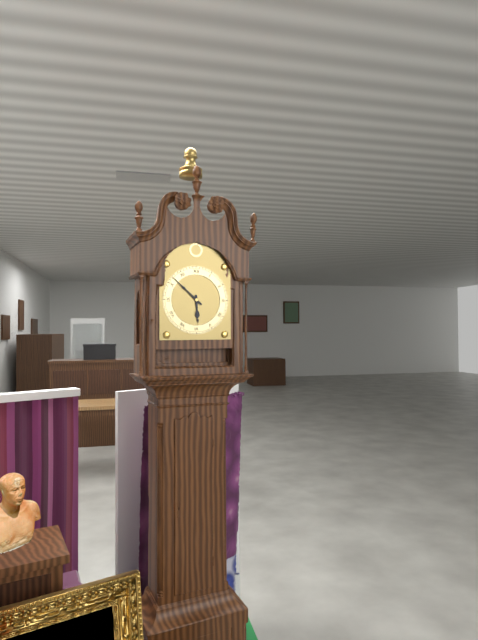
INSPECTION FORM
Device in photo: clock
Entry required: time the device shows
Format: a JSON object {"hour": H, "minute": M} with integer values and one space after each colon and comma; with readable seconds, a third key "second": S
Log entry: {"hour": 5, "minute": 52}
